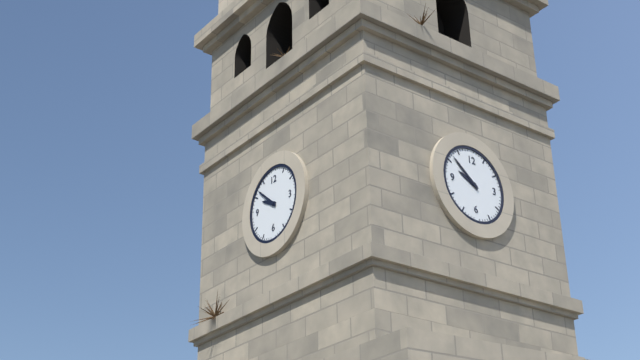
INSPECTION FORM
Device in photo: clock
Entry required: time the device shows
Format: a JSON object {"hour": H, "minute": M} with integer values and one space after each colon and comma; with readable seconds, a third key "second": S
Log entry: {"hour": 9, "minute": 52}
